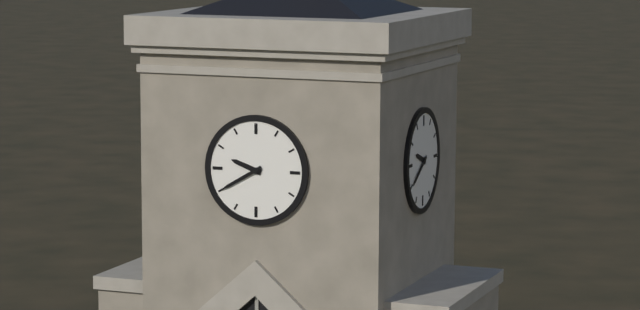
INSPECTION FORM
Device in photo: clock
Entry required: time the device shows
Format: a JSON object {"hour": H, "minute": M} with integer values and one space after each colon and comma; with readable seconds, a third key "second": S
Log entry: {"hour": 9, "minute": 40}
